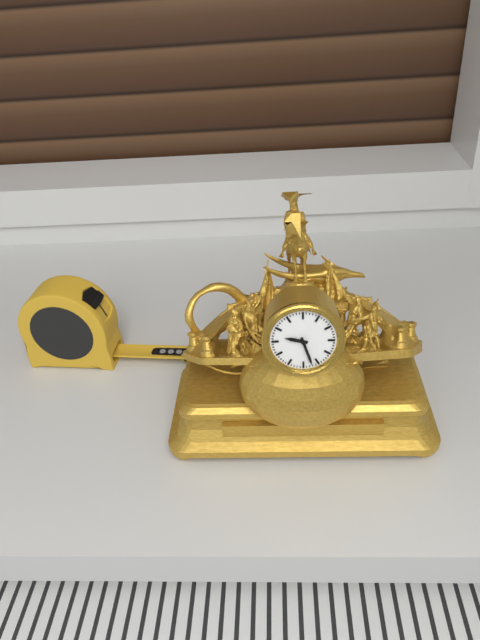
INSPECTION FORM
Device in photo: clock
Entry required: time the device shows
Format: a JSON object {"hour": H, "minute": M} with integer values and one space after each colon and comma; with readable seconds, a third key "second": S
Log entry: {"hour": 9, "minute": 27}
